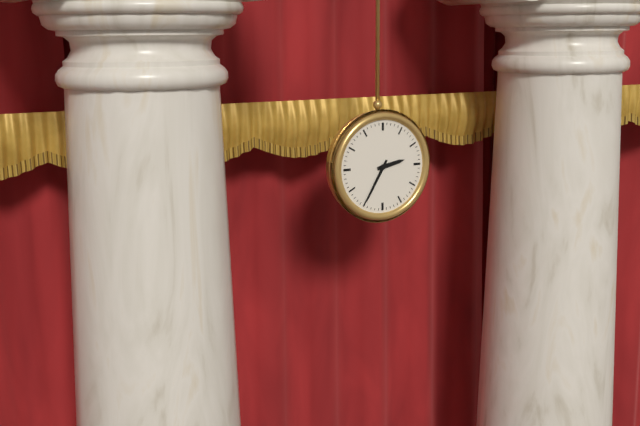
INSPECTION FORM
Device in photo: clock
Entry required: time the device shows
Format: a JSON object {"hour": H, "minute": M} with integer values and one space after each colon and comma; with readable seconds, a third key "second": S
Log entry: {"hour": 2, "minute": 35}
